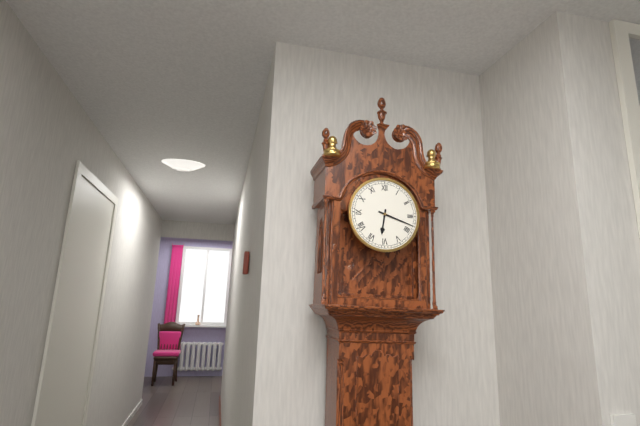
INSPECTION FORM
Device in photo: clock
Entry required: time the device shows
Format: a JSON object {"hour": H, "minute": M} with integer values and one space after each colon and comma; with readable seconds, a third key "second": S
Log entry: {"hour": 6, "minute": 18}
